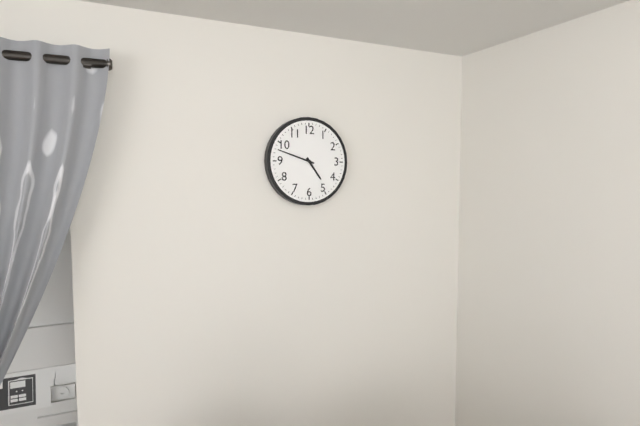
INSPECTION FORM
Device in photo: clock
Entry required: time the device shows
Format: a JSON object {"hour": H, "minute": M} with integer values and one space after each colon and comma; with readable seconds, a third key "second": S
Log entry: {"hour": 4, "minute": 48}
